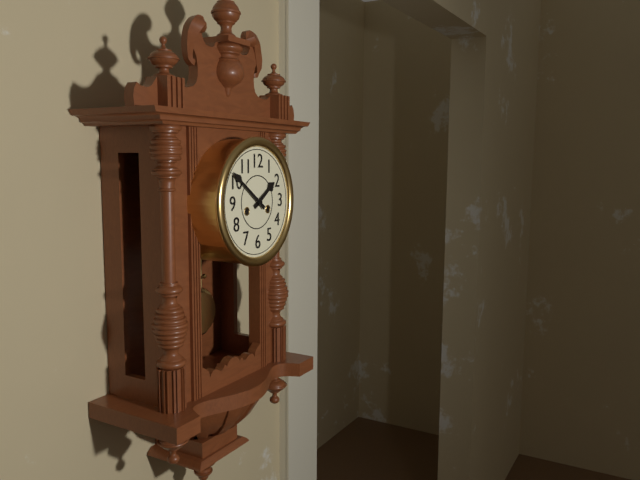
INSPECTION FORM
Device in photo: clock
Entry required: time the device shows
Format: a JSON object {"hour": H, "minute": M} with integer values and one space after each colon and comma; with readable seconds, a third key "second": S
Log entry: {"hour": 1, "minute": 51}
